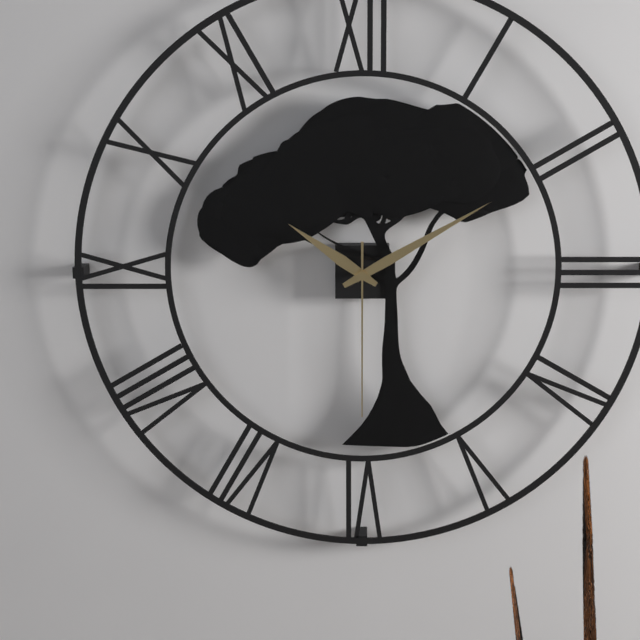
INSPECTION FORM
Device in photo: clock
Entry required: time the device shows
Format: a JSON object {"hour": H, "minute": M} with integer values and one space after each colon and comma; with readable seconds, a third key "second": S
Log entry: {"hour": 10, "minute": 10, "second": 30}
